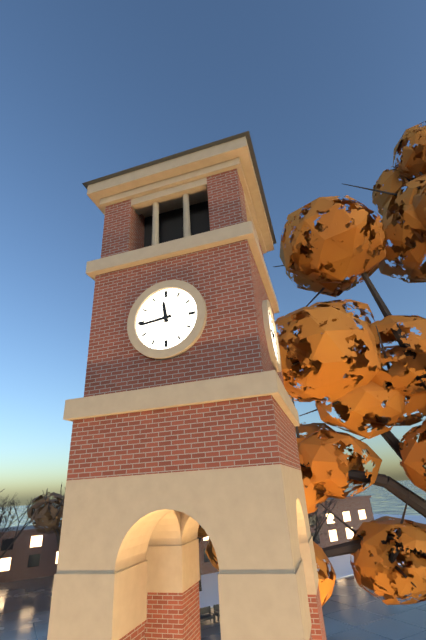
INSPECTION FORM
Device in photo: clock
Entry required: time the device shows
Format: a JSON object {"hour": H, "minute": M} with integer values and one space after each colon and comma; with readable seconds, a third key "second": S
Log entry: {"hour": 11, "minute": 44}
